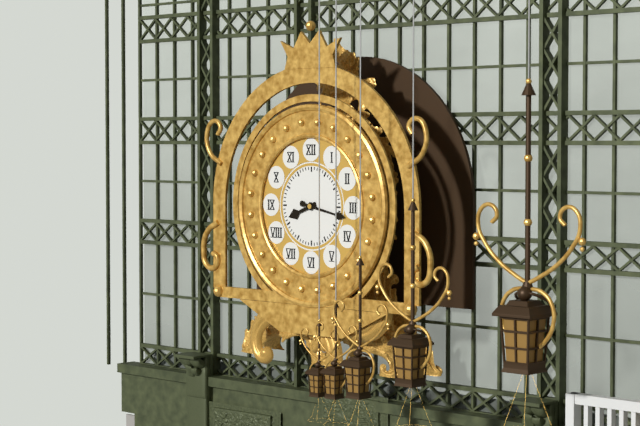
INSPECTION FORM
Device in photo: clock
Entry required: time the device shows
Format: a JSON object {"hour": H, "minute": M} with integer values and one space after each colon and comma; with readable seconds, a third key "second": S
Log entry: {"hour": 8, "minute": 17}
